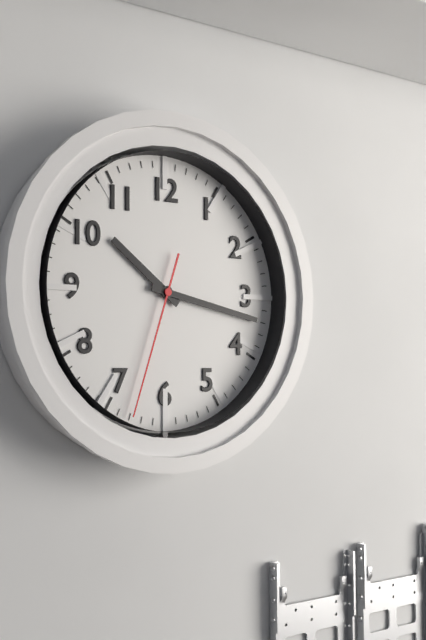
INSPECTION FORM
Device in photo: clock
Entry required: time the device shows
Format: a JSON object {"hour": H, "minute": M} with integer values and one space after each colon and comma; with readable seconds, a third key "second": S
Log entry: {"hour": 10, "minute": 17, "second": 33}
